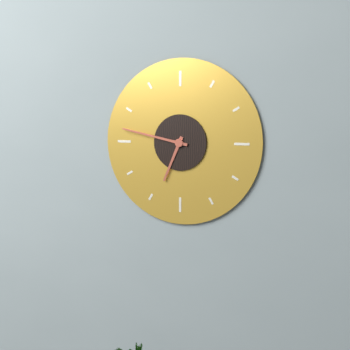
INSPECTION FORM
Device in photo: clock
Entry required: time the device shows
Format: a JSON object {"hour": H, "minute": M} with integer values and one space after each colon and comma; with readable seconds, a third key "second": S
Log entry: {"hour": 6, "minute": 47}
